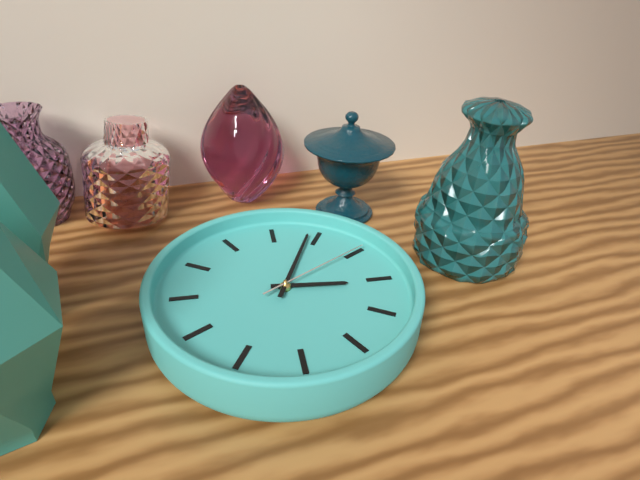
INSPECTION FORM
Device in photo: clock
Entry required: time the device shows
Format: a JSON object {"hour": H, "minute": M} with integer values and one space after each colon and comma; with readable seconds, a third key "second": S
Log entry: {"hour": 4, "minute": 9, "second": 15}
